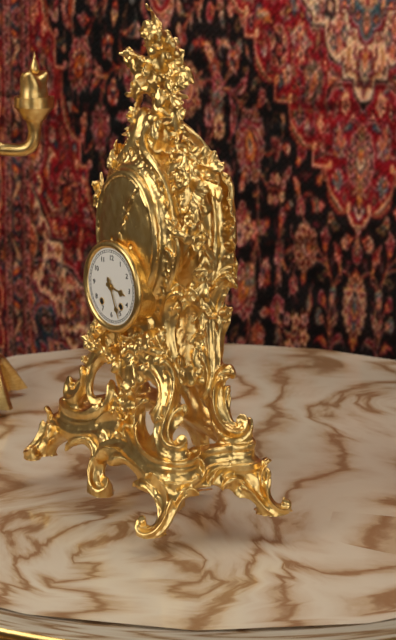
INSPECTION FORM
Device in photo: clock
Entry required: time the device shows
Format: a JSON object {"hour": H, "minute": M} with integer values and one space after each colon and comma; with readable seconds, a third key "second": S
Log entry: {"hour": 3, "minute": 26}
